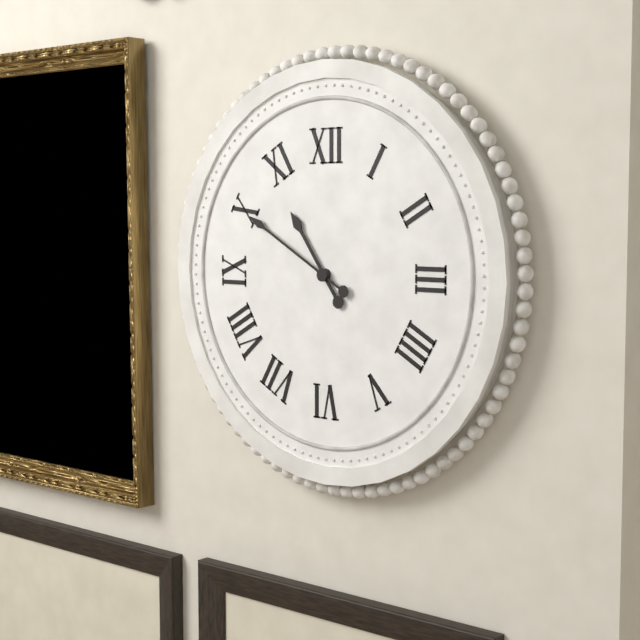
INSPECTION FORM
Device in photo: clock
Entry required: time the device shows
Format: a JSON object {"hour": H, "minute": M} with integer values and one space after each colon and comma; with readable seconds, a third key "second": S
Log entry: {"hour": 10, "minute": 50}
